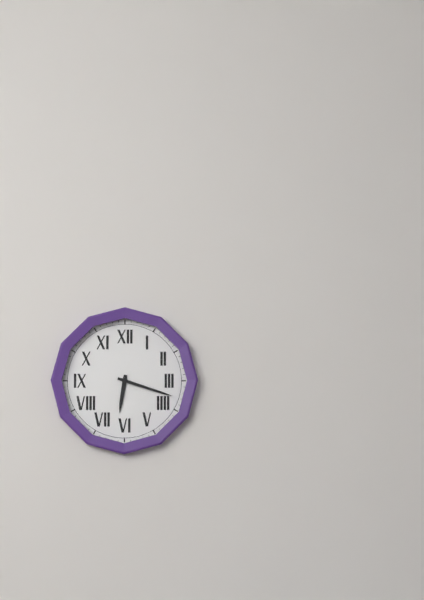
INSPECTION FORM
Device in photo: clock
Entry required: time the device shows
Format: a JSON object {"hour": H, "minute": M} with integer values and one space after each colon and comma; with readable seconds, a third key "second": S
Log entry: {"hour": 6, "minute": 18}
